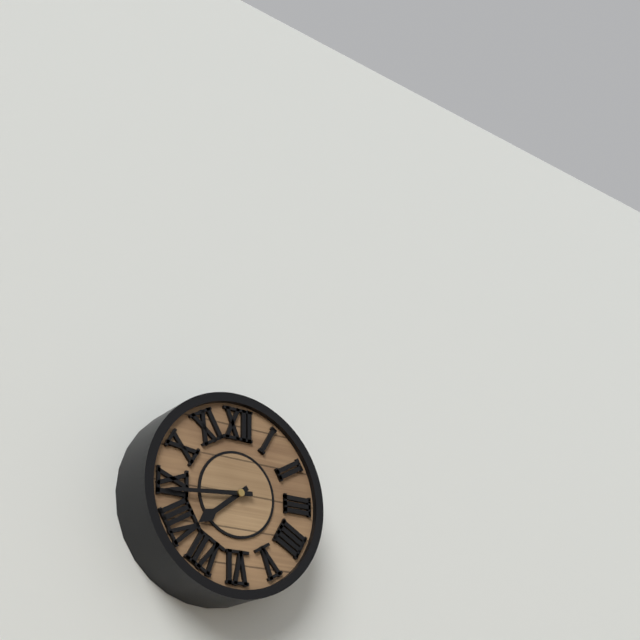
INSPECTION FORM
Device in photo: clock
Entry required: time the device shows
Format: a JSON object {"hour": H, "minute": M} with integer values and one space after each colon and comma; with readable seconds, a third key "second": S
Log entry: {"hour": 7, "minute": 44}
